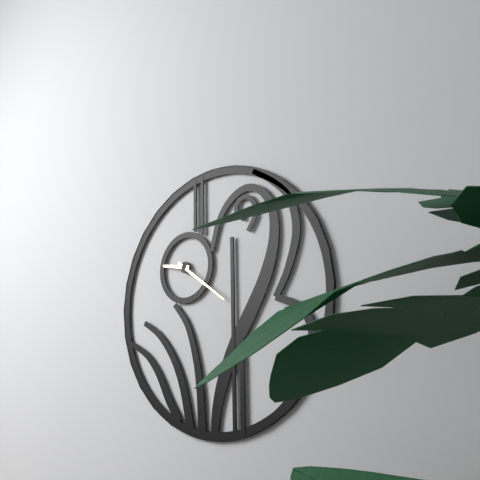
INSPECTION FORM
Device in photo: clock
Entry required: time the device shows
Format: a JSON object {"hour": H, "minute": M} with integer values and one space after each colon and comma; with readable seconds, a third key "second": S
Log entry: {"hour": 9, "minute": 21}
